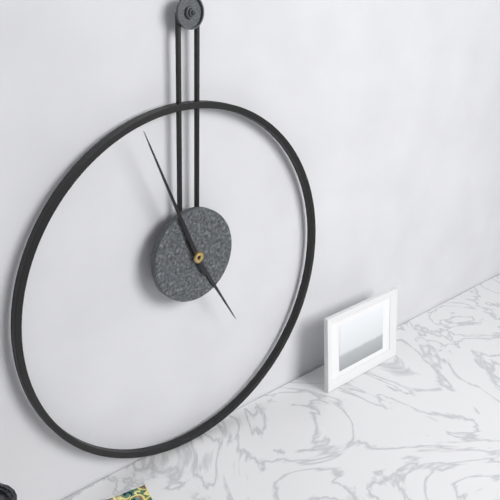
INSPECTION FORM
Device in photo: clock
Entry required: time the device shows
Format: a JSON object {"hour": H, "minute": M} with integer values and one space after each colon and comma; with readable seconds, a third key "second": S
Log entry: {"hour": 4, "minute": 56}
